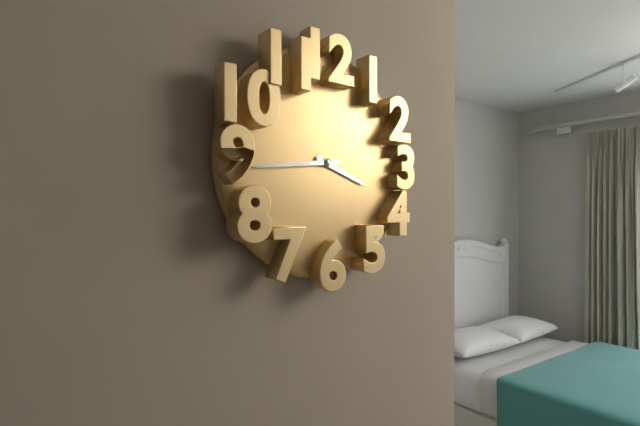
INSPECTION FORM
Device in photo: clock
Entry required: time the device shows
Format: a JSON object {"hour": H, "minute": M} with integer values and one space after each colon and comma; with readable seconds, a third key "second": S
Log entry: {"hour": 3, "minute": 44}
